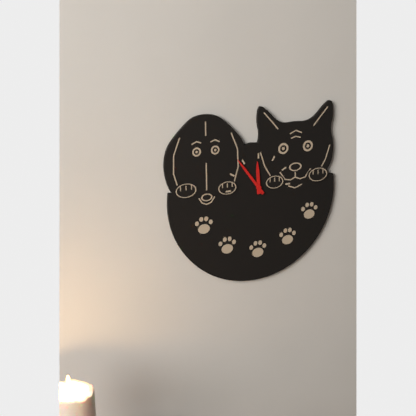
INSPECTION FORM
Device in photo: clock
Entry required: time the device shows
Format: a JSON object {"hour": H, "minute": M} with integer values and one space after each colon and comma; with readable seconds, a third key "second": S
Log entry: {"hour": 11, "minute": 54}
